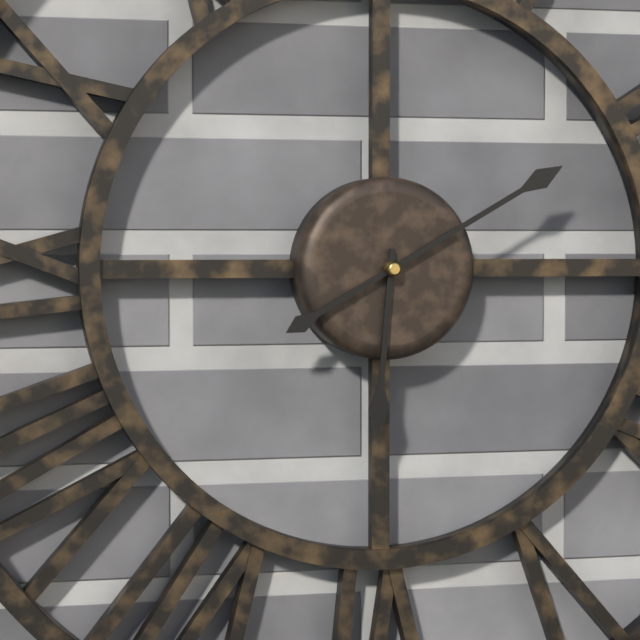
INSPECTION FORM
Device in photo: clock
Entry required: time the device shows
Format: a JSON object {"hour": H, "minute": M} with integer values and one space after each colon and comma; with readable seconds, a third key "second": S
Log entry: {"hour": 6, "minute": 10}
